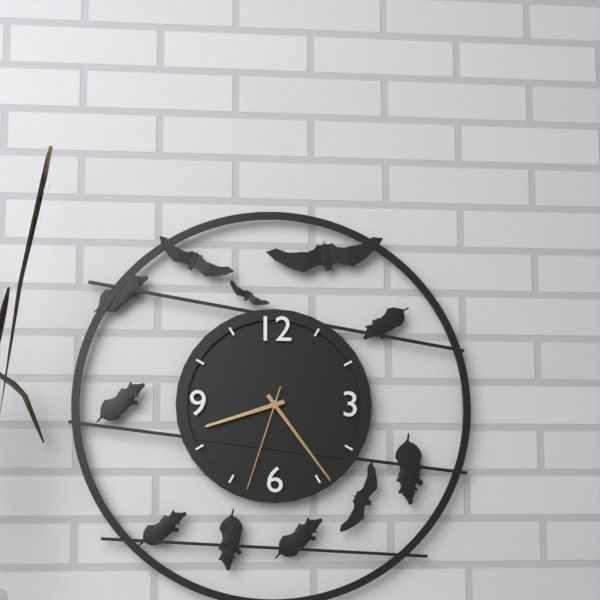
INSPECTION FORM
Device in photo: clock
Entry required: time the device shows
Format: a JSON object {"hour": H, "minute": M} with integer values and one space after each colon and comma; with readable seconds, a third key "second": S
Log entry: {"hour": 8, "minute": 24, "second": 33}
